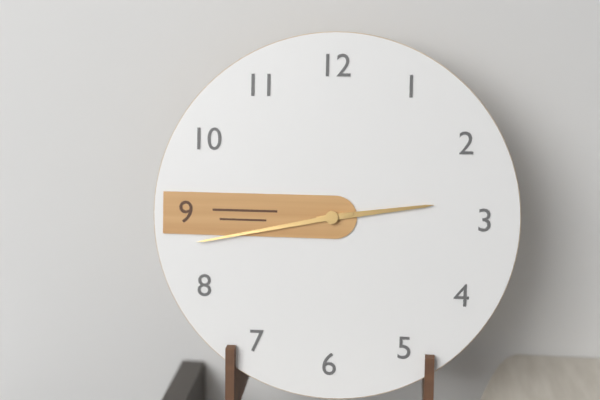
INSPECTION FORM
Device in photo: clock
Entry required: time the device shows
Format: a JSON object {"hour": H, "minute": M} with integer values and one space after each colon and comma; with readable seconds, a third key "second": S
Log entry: {"hour": 2, "minute": 43}
